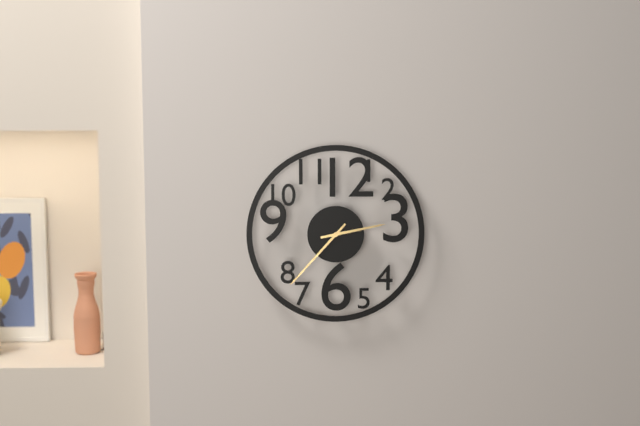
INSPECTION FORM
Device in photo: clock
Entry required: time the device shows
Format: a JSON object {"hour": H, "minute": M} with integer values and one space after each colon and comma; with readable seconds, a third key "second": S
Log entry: {"hour": 2, "minute": 37}
